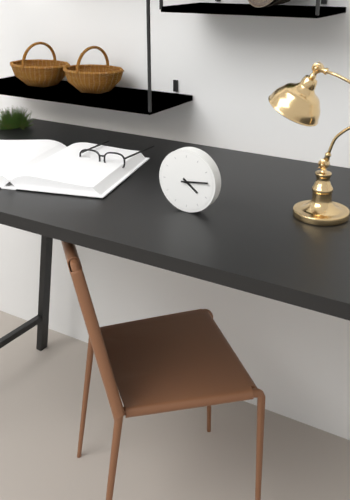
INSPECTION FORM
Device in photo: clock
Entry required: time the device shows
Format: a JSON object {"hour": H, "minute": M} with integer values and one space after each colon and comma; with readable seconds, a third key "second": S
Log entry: {"hour": 4, "minute": 14}
